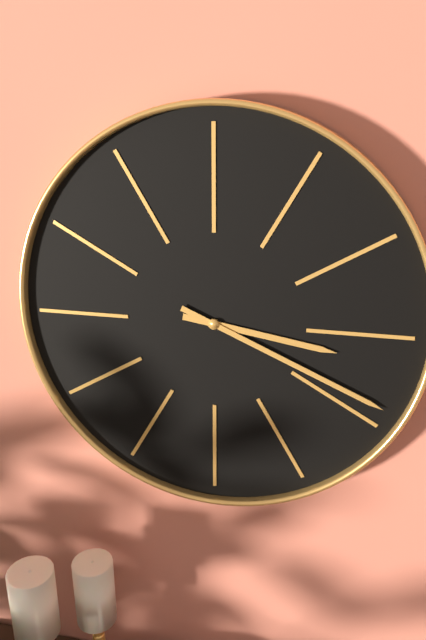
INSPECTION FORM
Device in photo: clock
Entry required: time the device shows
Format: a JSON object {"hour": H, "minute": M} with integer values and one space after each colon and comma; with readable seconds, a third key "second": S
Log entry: {"hour": 3, "minute": 19}
